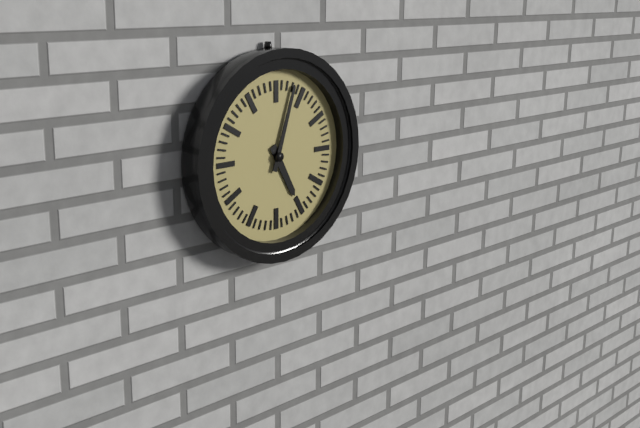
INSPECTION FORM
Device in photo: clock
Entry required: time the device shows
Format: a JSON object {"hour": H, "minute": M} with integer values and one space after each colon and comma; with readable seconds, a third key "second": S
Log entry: {"hour": 5, "minute": 3}
